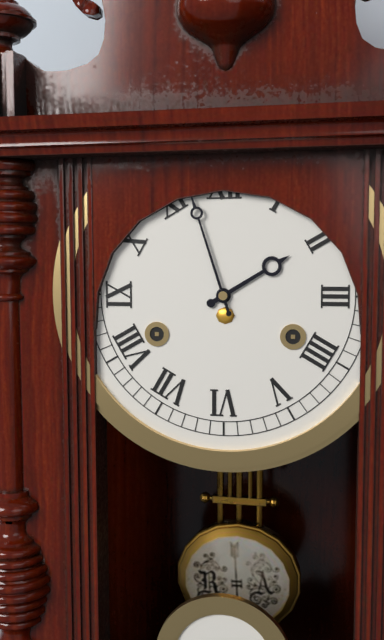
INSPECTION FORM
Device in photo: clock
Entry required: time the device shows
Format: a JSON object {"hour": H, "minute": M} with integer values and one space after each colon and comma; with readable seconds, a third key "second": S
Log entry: {"hour": 1, "minute": 57}
